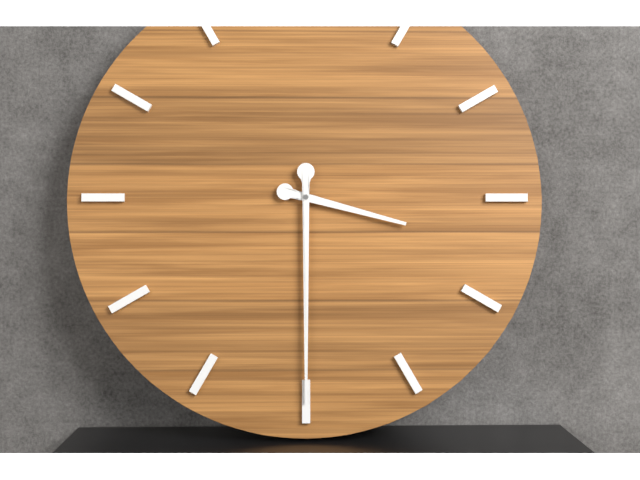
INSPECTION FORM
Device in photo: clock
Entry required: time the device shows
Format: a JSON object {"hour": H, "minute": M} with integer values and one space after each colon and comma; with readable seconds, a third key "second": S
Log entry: {"hour": 3, "minute": 30}
